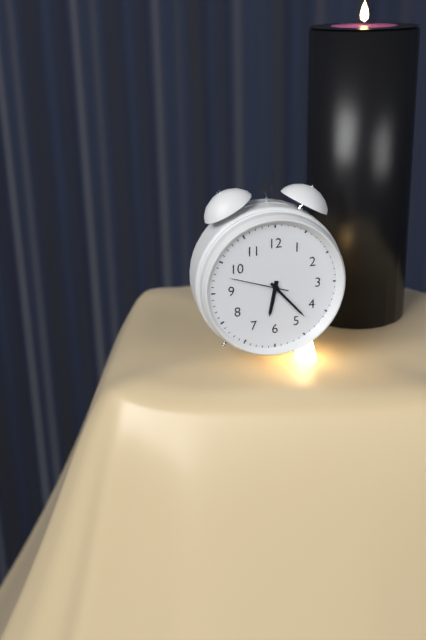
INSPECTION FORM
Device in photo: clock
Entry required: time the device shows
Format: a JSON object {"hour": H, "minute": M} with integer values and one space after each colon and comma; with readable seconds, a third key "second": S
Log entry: {"hour": 6, "minute": 23, "second": 48}
